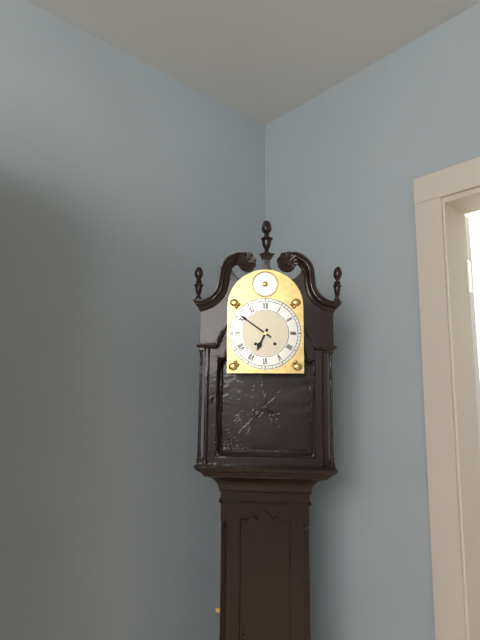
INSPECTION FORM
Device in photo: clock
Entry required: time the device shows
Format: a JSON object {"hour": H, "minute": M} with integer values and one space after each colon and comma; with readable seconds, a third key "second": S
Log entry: {"hour": 6, "minute": 51}
